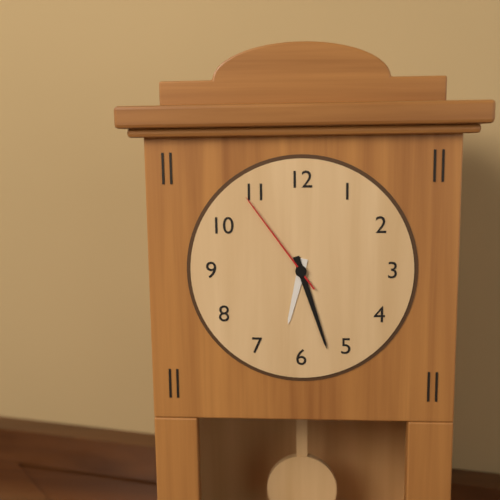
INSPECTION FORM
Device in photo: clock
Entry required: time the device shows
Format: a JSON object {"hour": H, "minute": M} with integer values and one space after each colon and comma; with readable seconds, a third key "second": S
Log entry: {"hour": 6, "minute": 27, "second": 54}
